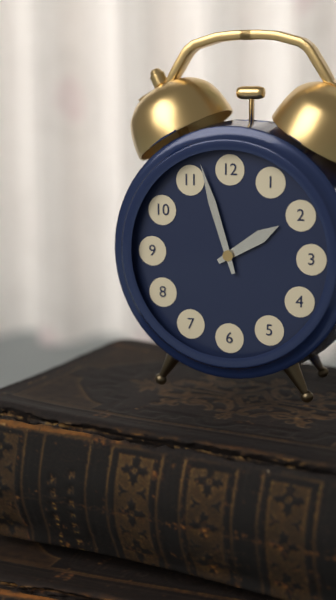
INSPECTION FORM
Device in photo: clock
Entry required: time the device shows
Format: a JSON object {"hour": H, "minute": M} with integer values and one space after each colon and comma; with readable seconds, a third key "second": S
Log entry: {"hour": 1, "minute": 57}
